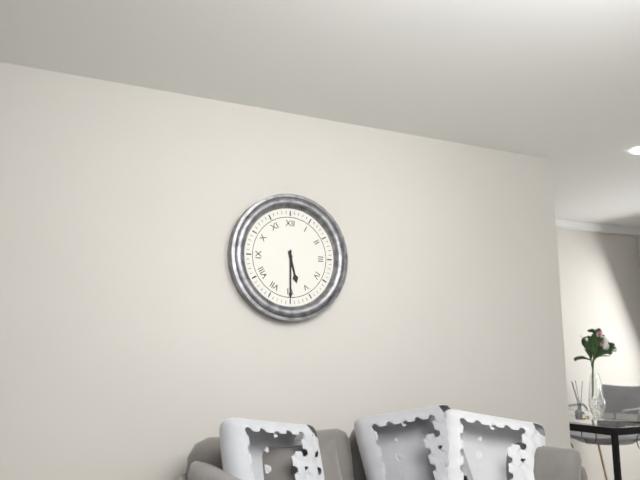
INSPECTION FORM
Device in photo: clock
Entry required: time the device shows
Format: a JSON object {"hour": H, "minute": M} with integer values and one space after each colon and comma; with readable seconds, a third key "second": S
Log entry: {"hour": 5, "minute": 30}
